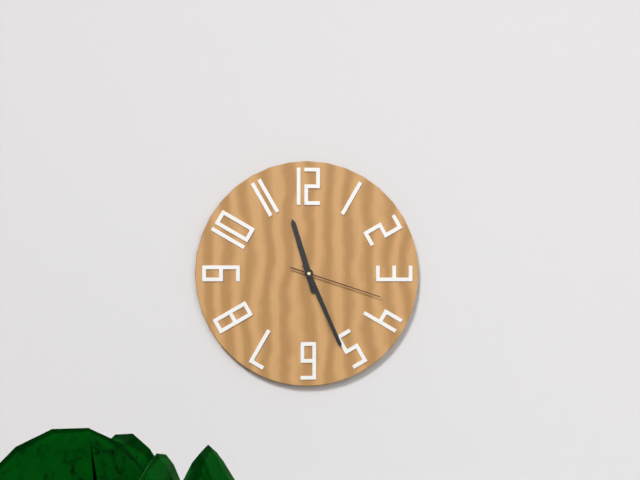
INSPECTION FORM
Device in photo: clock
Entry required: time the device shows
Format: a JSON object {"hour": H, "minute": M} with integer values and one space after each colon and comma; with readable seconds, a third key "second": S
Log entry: {"hour": 11, "minute": 26, "second": 18}
